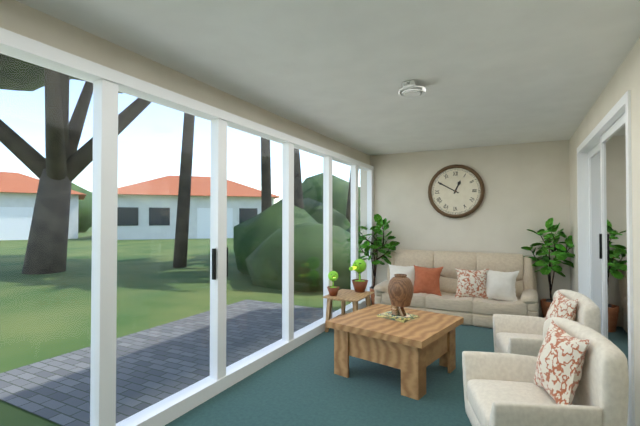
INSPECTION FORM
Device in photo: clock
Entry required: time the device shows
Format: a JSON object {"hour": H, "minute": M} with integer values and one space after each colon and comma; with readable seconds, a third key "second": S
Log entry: {"hour": 12, "minute": 50}
